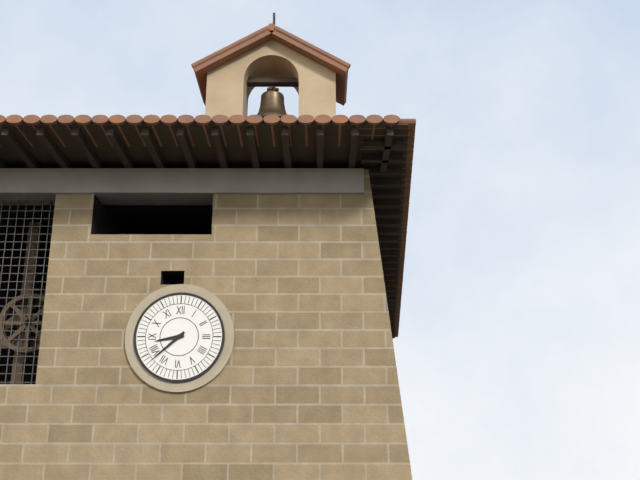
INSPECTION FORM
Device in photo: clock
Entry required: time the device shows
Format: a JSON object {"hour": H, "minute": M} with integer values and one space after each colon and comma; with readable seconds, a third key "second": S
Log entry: {"hour": 8, "minute": 38}
